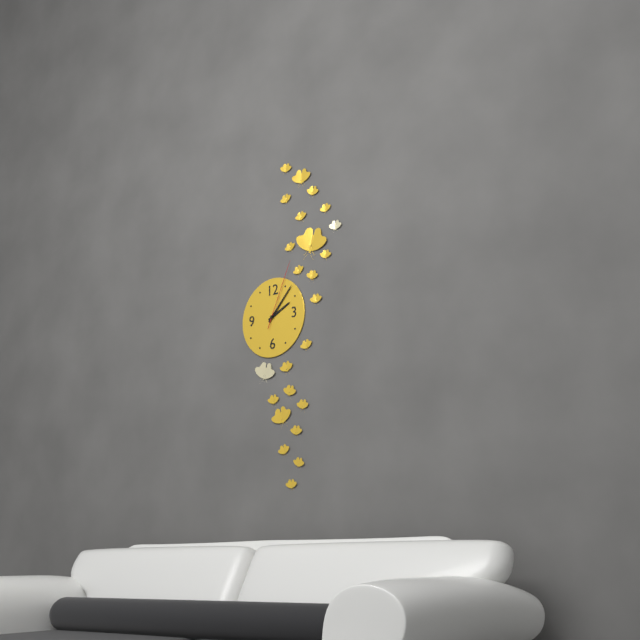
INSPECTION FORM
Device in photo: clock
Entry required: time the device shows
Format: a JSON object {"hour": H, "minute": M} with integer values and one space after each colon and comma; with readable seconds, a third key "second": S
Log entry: {"hour": 2, "minute": 7, "second": 4}
